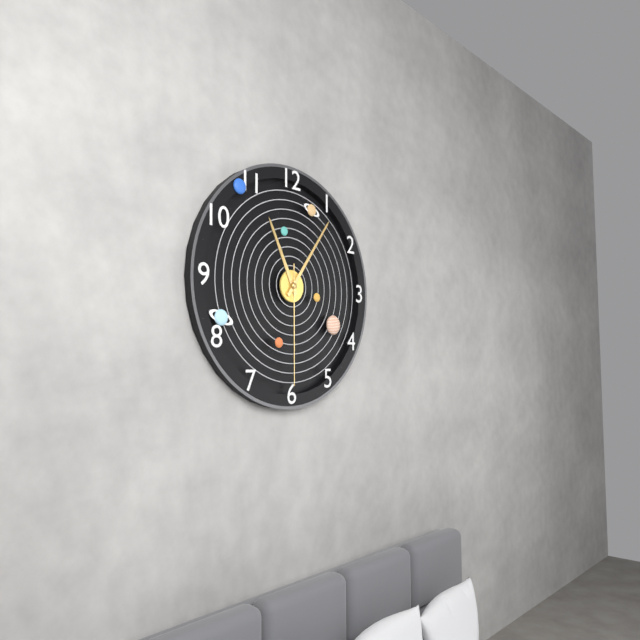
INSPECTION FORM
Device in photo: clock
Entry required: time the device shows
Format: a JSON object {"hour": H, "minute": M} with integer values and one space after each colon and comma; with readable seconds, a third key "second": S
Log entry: {"hour": 11, "minute": 6, "second": 30}
